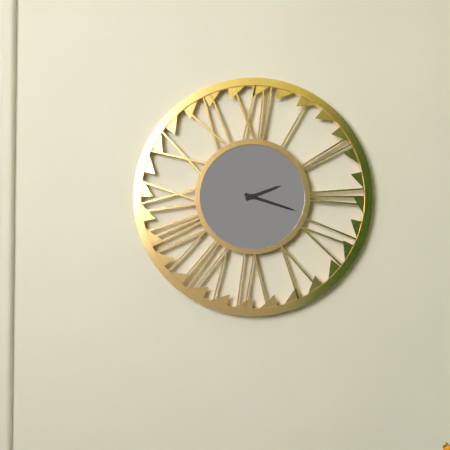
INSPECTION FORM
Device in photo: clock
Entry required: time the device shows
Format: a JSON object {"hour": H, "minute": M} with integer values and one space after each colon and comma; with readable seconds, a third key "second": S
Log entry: {"hour": 2, "minute": 18}
